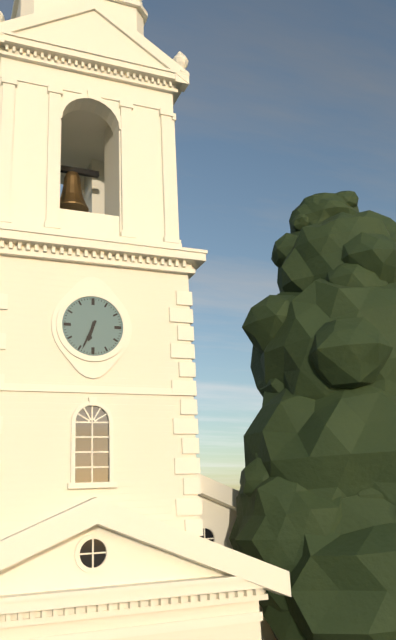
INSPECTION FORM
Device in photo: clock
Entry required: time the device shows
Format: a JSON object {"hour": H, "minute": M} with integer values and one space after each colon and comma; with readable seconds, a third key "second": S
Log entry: {"hour": 6, "minute": 34}
